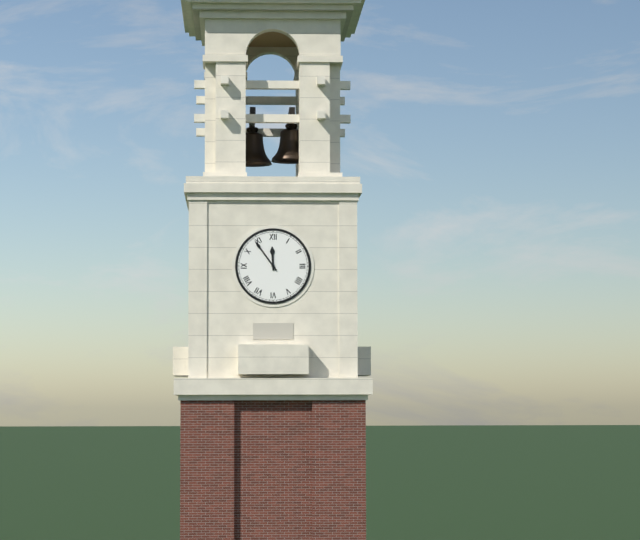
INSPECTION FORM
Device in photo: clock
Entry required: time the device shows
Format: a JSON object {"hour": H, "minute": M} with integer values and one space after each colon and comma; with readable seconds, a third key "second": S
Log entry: {"hour": 11, "minute": 54}
